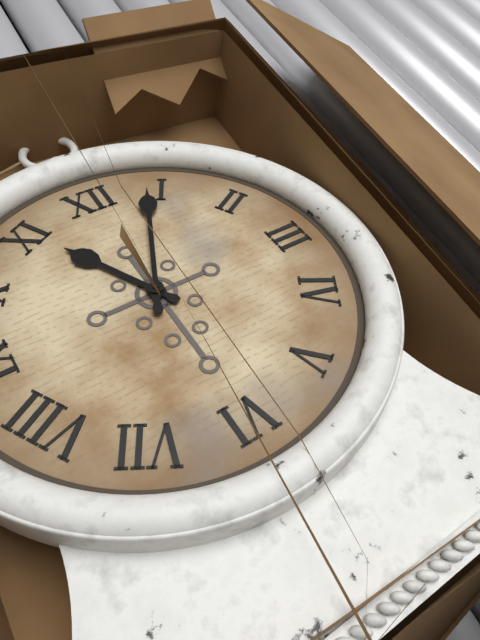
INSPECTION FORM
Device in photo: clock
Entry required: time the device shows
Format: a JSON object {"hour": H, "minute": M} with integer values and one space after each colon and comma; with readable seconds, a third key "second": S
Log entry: {"hour": 11, "minute": 4}
